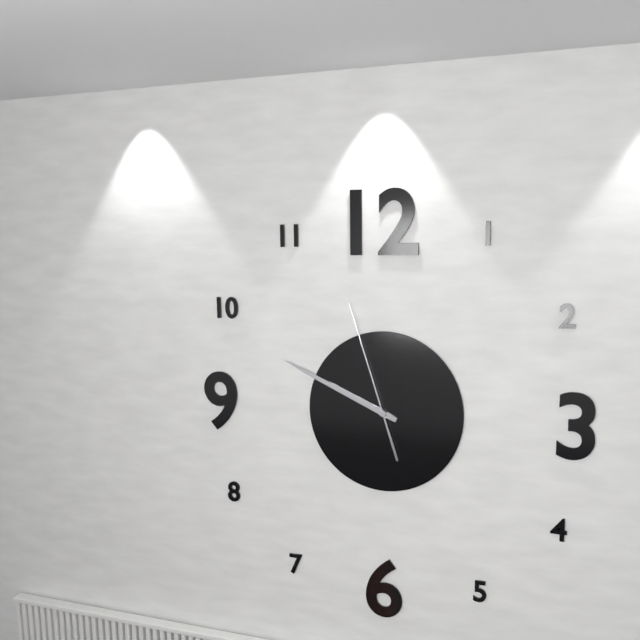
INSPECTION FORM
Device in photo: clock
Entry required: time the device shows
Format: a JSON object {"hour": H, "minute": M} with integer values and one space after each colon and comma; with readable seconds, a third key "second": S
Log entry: {"hour": 9, "minute": 49, "second": 57}
